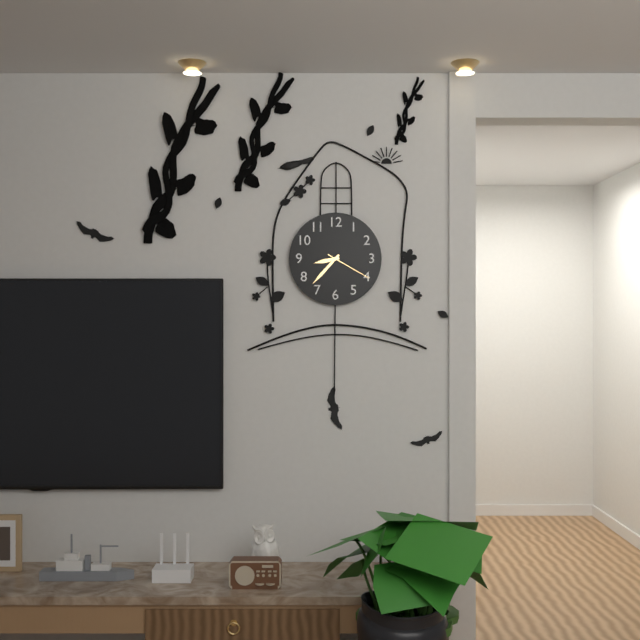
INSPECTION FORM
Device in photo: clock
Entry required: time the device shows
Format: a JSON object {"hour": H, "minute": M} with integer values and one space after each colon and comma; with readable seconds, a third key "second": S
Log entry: {"hour": 8, "minute": 37}
